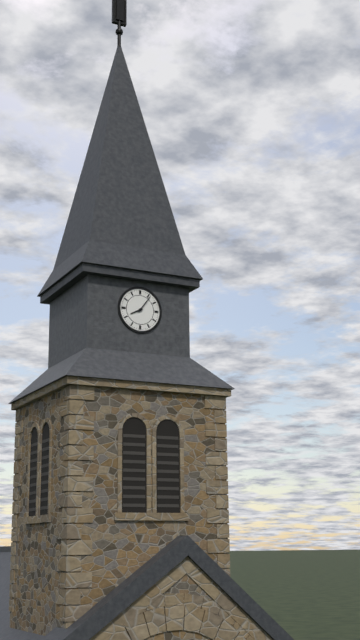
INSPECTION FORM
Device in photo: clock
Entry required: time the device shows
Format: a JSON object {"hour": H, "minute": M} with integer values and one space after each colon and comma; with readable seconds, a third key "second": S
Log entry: {"hour": 8, "minute": 6}
